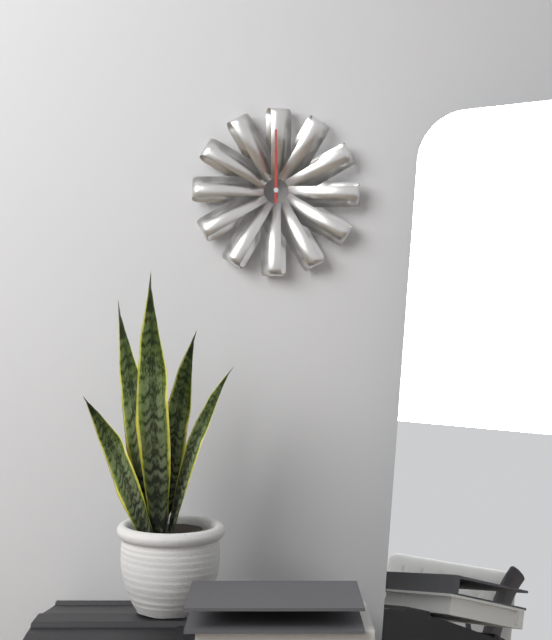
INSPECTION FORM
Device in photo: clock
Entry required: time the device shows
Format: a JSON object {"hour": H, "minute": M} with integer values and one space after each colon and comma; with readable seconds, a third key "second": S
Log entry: {"hour": 12, "minute": 0}
